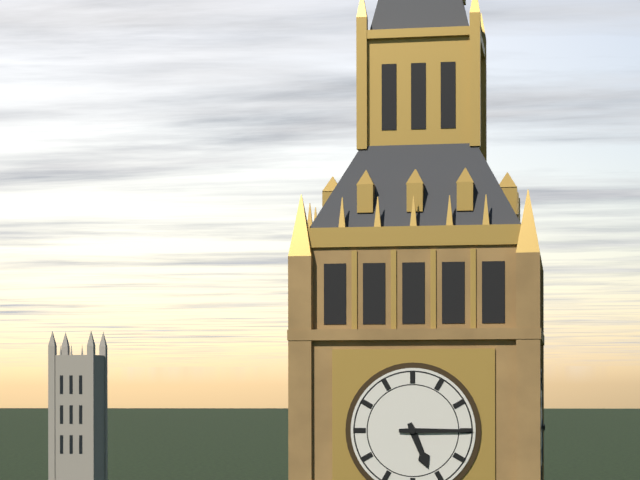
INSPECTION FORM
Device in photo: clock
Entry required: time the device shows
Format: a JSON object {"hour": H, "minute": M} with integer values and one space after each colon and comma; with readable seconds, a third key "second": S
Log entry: {"hour": 5, "minute": 15}
